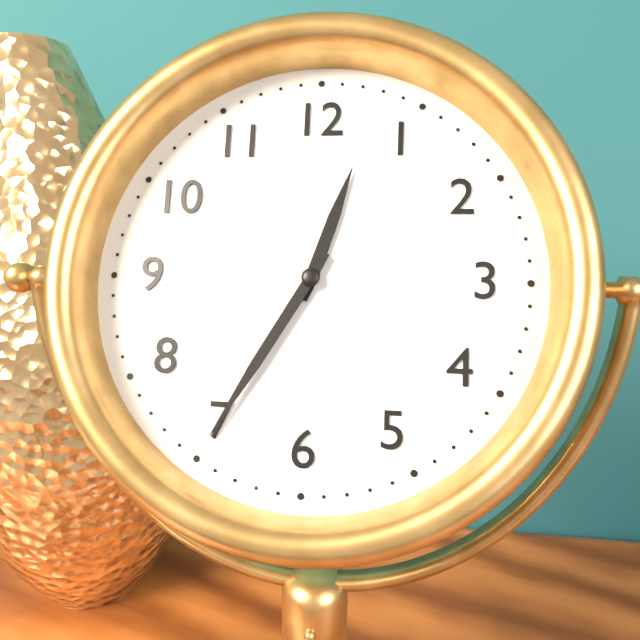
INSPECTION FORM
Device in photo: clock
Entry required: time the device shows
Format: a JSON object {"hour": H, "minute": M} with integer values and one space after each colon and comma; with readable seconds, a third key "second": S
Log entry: {"hour": 12, "minute": 35}
